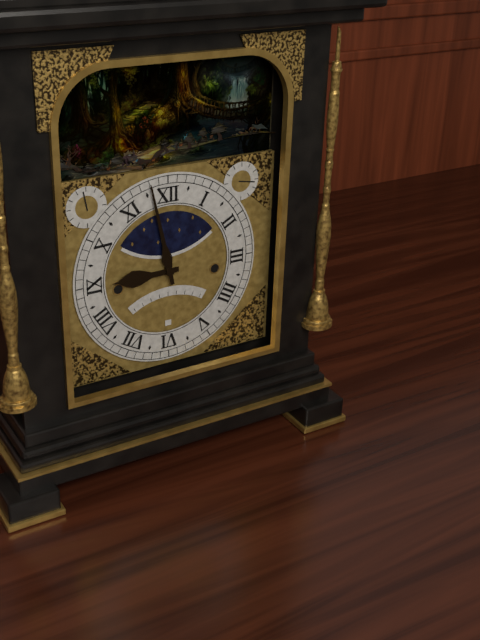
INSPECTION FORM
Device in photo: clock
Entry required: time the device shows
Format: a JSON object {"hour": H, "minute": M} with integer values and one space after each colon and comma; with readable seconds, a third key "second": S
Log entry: {"hour": 8, "minute": 58}
